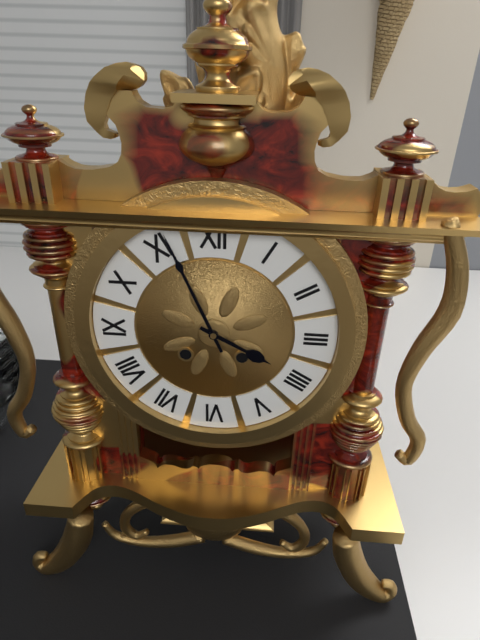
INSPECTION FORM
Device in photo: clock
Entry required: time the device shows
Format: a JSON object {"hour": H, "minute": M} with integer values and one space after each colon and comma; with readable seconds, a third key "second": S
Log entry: {"hour": 3, "minute": 56}
